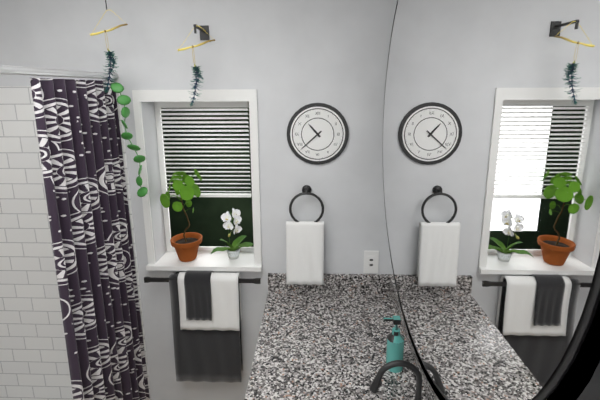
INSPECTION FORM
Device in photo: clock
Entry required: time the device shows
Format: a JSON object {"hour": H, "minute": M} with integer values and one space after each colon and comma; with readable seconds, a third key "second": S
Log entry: {"hour": 10, "minute": 38}
